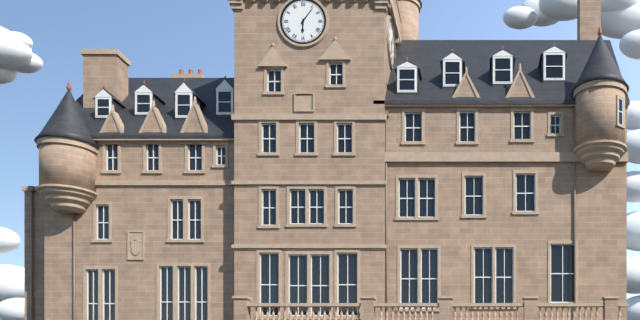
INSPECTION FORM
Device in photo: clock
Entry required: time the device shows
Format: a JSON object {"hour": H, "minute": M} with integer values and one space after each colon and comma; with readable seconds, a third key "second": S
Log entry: {"hour": 6, "minute": 6}
